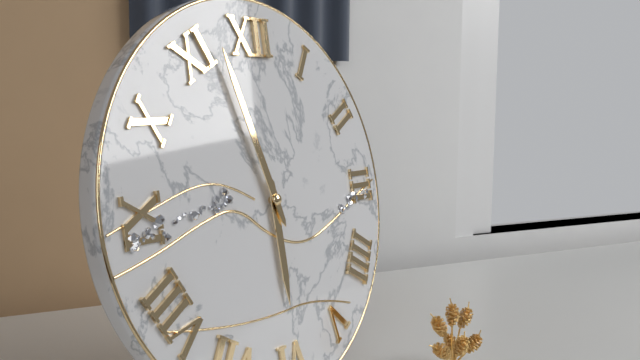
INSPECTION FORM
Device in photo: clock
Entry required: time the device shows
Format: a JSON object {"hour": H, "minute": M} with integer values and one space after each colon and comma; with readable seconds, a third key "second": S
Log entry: {"hour": 5, "minute": 57}
